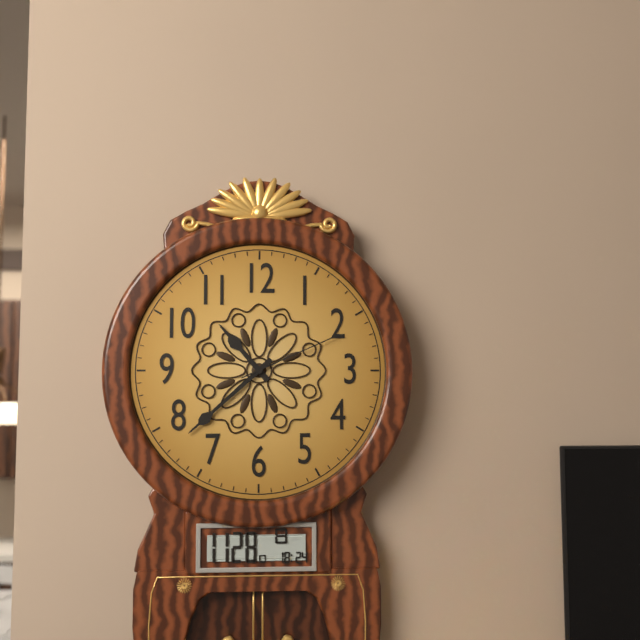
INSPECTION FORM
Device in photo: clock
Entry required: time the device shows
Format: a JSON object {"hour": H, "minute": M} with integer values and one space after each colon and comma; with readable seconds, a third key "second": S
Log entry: {"hour": 10, "minute": 38, "second": 11}
